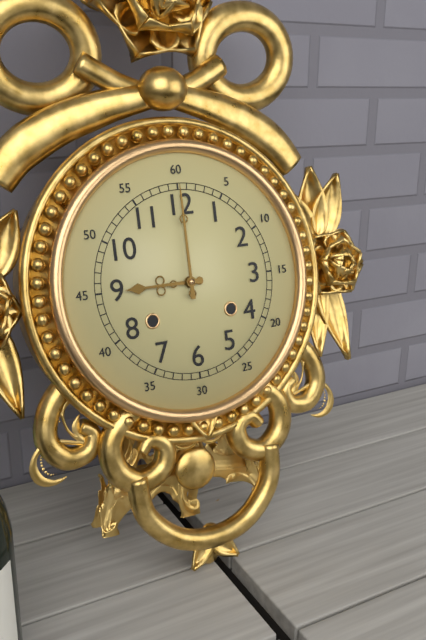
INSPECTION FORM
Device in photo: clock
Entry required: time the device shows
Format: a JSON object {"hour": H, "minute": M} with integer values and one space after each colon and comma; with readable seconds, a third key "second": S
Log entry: {"hour": 9, "minute": 0}
